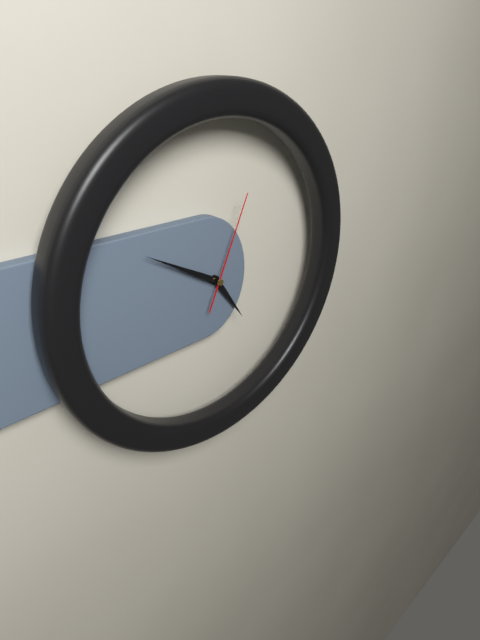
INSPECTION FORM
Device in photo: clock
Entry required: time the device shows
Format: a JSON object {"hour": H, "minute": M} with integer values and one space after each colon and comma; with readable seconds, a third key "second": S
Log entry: {"hour": 4, "minute": 50, "second": 4}
